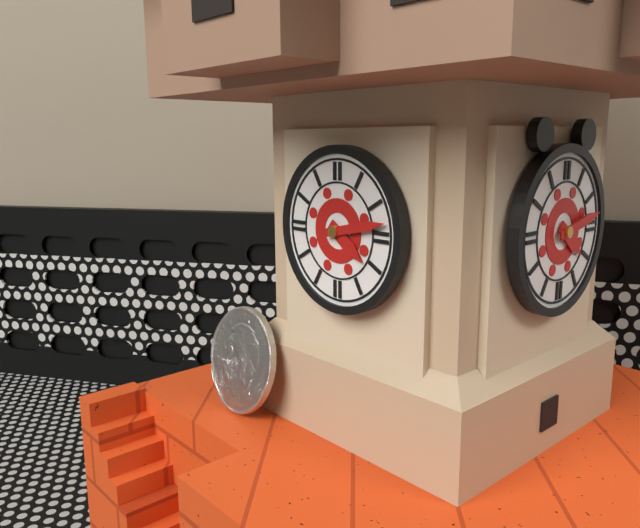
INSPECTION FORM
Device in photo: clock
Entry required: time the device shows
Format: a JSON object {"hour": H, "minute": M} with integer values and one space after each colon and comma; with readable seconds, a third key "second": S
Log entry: {"hour": 4, "minute": 13}
